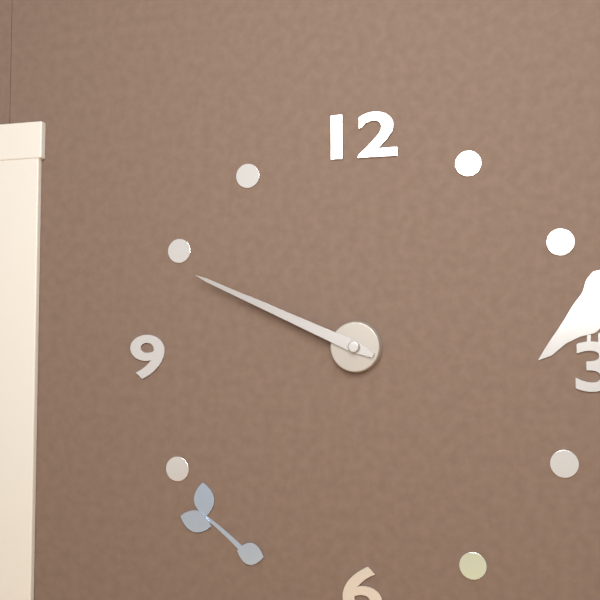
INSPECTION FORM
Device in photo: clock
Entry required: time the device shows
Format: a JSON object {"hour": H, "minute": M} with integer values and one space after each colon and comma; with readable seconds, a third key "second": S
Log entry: {"hour": 9, "minute": 49}
